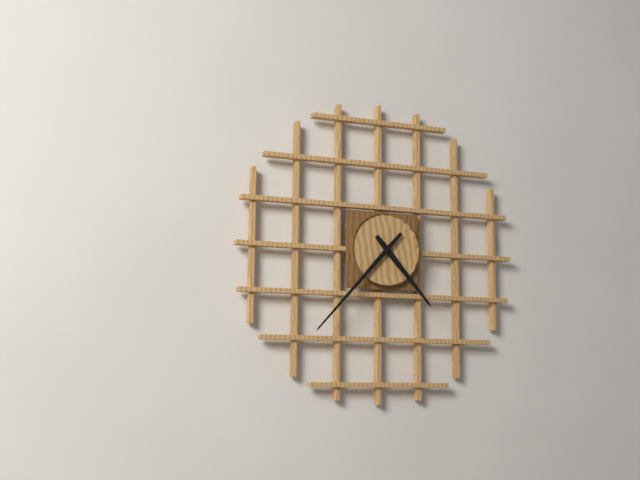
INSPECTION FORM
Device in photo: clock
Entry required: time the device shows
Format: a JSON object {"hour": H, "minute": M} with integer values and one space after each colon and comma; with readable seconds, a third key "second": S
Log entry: {"hour": 4, "minute": 37}
